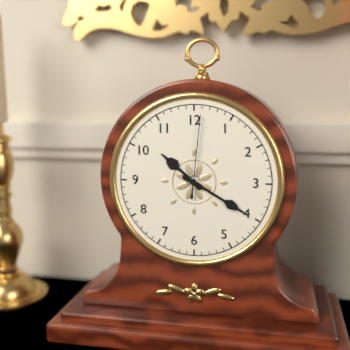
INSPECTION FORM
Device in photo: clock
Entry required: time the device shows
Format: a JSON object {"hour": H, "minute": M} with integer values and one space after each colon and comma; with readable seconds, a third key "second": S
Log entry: {"hour": 10, "minute": 20, "second": 1}
